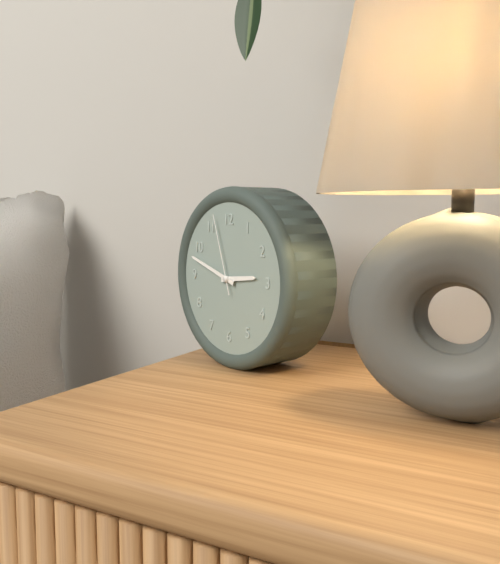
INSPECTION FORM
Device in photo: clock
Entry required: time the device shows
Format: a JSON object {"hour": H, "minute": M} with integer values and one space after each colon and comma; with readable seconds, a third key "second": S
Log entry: {"hour": 2, "minute": 48, "second": 57}
